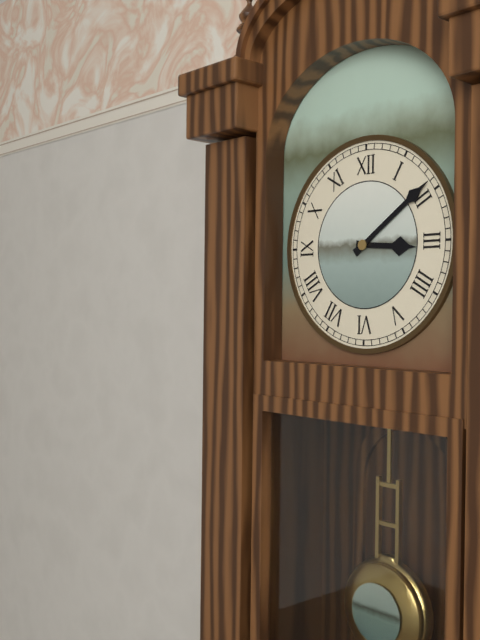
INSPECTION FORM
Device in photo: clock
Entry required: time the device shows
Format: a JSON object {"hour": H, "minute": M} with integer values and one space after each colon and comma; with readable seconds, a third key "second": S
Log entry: {"hour": 3, "minute": 9}
